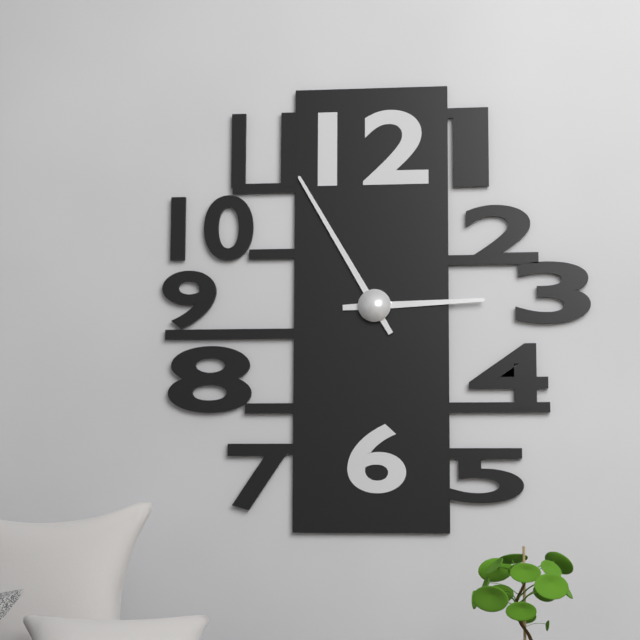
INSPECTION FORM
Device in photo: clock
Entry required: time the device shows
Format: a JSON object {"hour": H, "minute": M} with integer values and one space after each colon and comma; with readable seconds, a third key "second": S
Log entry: {"hour": 2, "minute": 55}
